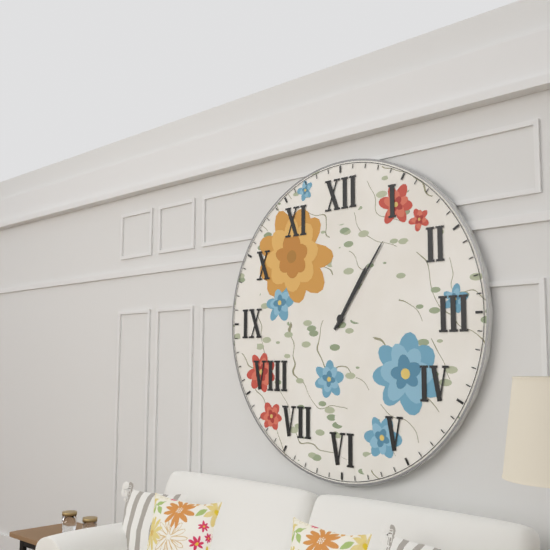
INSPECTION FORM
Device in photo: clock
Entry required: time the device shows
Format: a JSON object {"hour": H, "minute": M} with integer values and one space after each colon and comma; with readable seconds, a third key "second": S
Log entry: {"hour": 1, "minute": 6}
